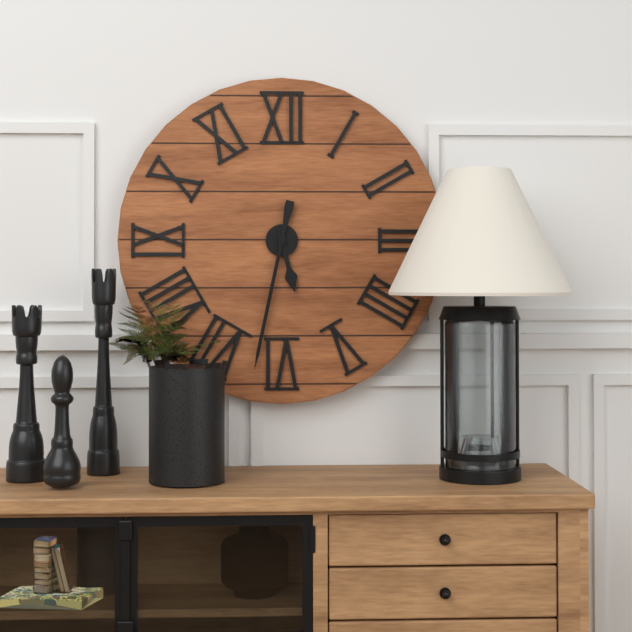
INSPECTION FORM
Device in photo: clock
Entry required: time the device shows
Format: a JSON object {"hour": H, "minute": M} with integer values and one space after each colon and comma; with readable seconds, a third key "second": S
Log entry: {"hour": 5, "minute": 32}
